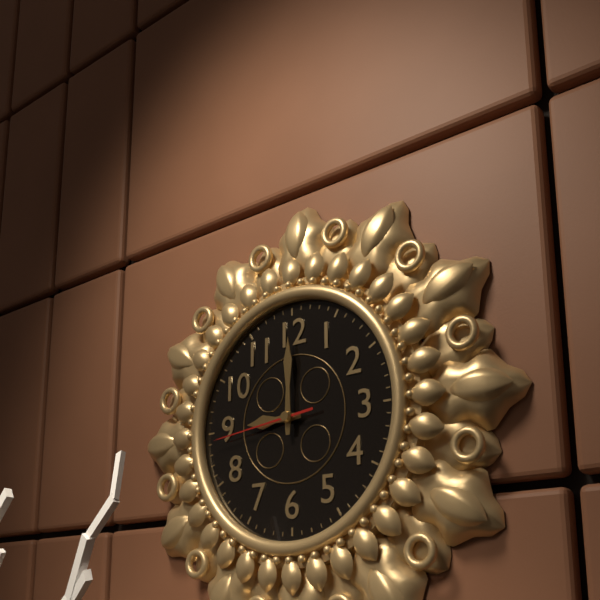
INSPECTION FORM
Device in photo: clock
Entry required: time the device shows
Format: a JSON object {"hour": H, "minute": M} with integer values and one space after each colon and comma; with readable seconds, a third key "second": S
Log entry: {"hour": 9, "minute": 0, "second": 44}
